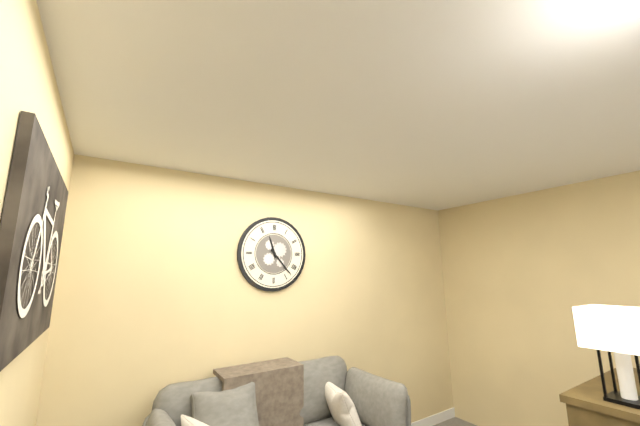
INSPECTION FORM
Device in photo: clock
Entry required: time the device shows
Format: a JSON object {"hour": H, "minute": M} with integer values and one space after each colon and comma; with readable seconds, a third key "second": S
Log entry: {"hour": 11, "minute": 23}
